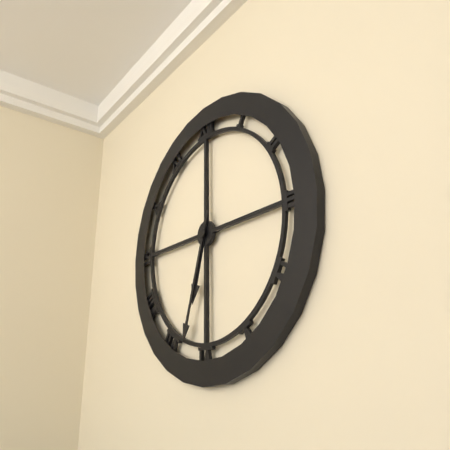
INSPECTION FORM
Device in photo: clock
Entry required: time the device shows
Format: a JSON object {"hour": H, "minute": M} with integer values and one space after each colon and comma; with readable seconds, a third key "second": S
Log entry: {"hour": 6, "minute": 33}
